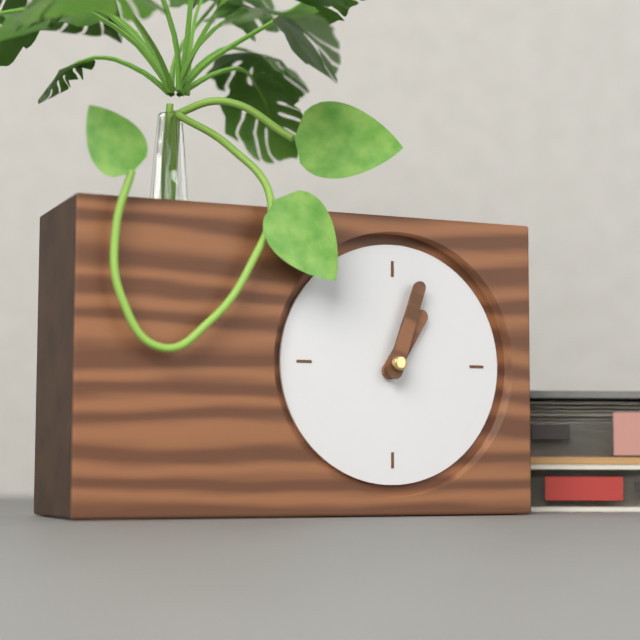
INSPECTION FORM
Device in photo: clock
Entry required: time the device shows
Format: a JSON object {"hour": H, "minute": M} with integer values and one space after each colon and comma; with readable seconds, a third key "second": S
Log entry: {"hour": 1, "minute": 3}
